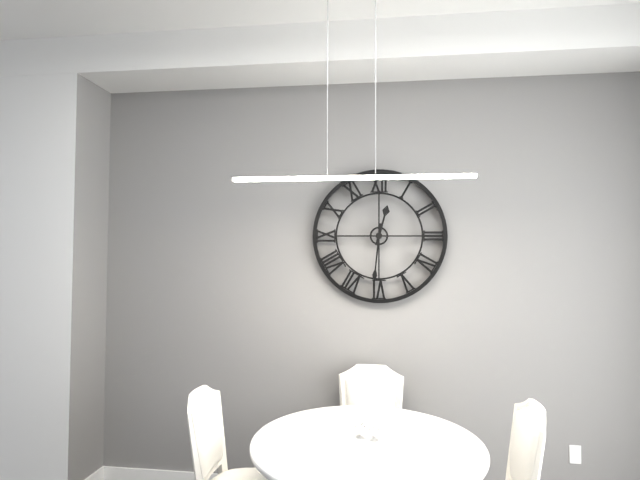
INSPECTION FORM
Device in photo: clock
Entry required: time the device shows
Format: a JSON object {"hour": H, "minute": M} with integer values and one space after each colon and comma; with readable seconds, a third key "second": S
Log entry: {"hour": 12, "minute": 31}
